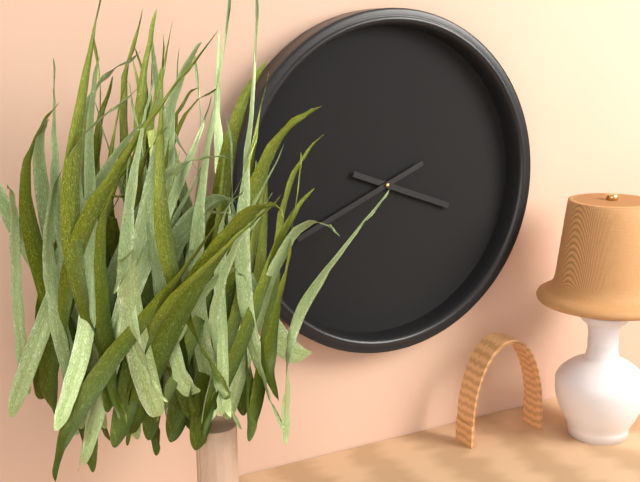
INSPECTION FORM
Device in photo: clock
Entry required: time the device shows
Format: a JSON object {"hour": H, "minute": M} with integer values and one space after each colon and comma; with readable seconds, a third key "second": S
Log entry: {"hour": 3, "minute": 41}
